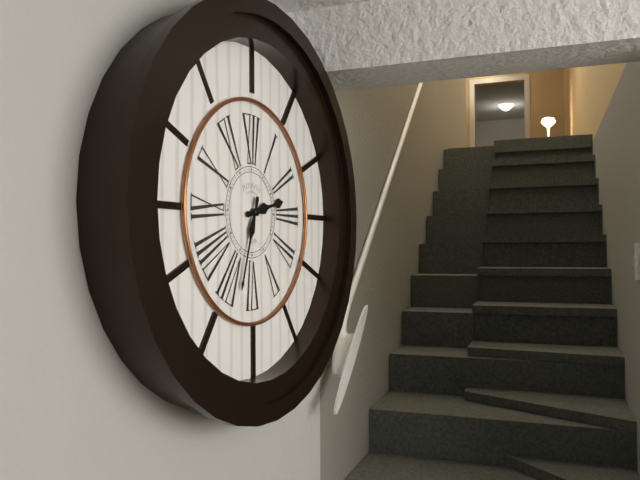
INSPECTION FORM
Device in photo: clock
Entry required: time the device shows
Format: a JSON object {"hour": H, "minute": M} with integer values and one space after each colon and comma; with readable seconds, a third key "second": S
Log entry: {"hour": 2, "minute": 33}
